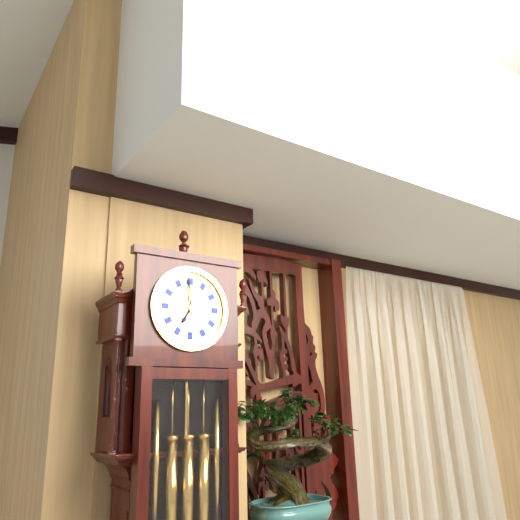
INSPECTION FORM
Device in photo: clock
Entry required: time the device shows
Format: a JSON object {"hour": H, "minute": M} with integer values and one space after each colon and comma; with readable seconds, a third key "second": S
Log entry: {"hour": 6, "minute": 59}
